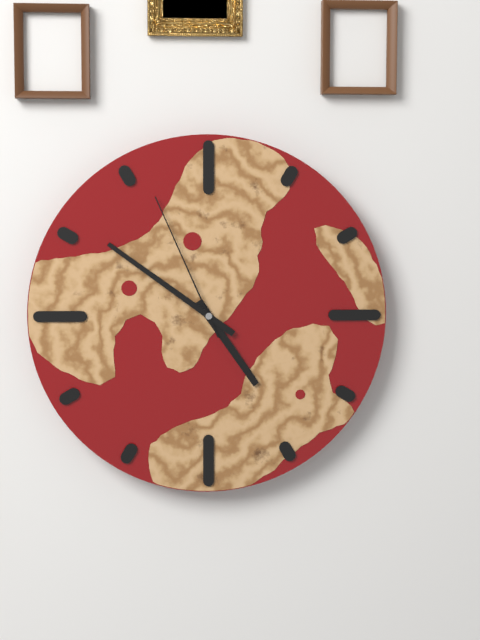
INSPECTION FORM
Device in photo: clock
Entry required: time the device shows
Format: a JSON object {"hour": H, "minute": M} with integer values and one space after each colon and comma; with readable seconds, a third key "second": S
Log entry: {"hour": 4, "minute": 51, "second": 56}
